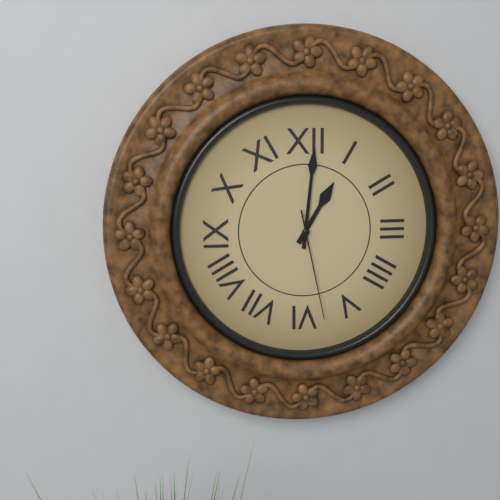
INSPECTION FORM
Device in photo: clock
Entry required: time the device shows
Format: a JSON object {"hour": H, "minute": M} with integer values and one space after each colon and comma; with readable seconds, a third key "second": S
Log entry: {"hour": 1, "minute": 1, "second": 28}
